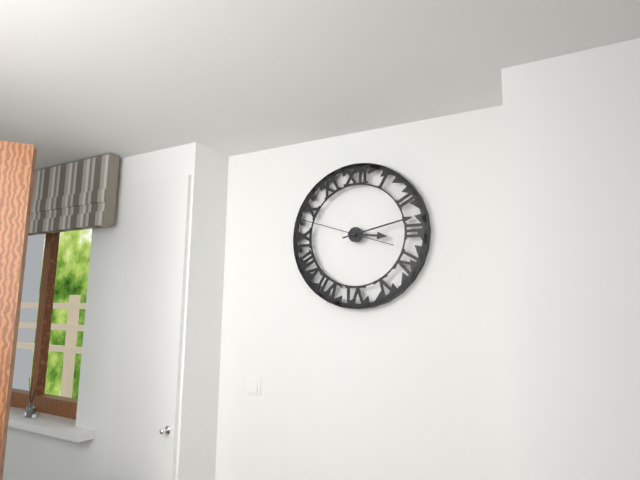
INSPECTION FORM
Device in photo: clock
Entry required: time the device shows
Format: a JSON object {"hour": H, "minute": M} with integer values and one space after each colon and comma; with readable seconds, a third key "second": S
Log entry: {"hour": 3, "minute": 13, "second": 48}
